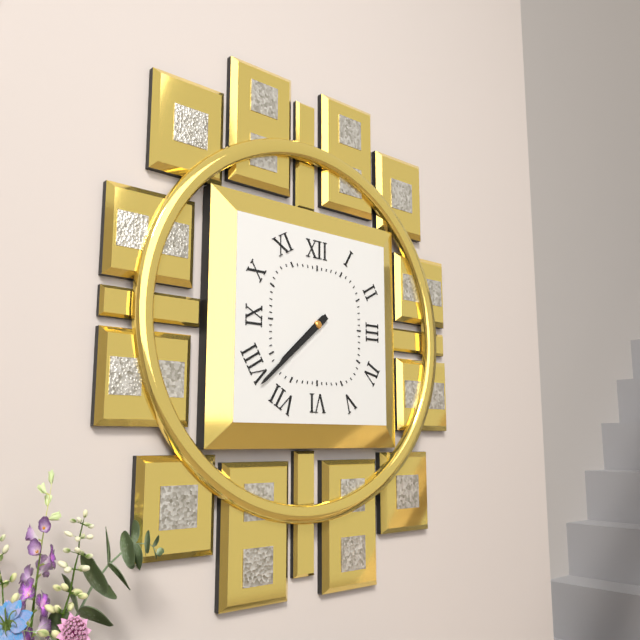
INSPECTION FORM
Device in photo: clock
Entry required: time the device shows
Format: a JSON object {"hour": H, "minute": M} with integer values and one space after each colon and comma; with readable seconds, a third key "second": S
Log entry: {"hour": 7, "minute": 38}
